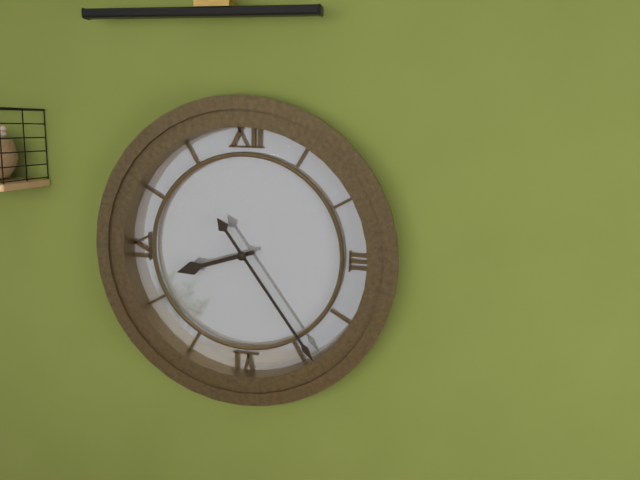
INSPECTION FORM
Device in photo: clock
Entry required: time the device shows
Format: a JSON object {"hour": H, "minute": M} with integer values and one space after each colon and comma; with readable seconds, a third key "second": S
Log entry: {"hour": 8, "minute": 24}
